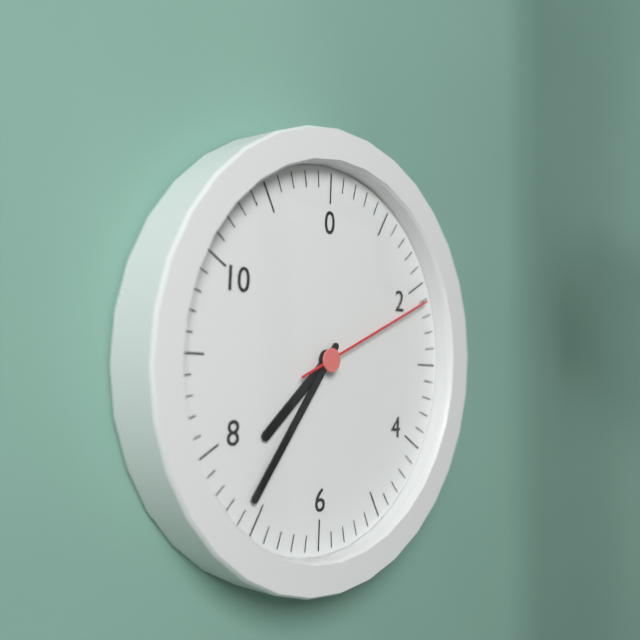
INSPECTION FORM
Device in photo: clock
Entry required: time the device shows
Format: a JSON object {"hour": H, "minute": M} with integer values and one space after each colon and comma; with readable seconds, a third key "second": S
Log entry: {"hour": 7, "minute": 36, "second": 11}
